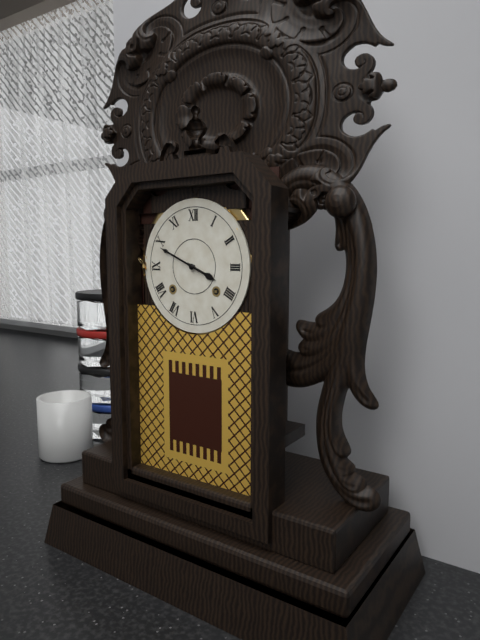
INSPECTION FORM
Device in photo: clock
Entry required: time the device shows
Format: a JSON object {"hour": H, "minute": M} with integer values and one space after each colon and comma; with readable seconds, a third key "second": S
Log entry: {"hour": 3, "minute": 49}
